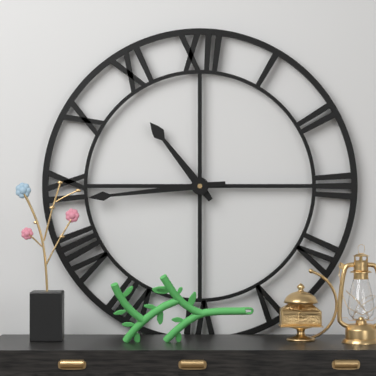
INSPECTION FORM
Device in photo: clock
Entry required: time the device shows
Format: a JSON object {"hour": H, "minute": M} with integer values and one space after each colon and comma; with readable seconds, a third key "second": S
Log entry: {"hour": 10, "minute": 44}
